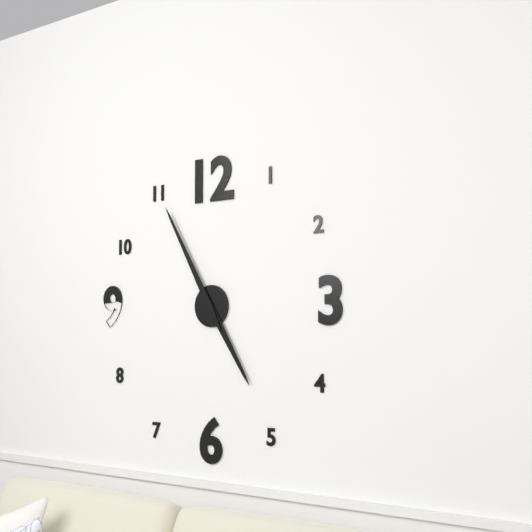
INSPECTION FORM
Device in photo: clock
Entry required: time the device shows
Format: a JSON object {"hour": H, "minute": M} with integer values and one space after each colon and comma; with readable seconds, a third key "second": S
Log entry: {"hour": 4, "minute": 55}
